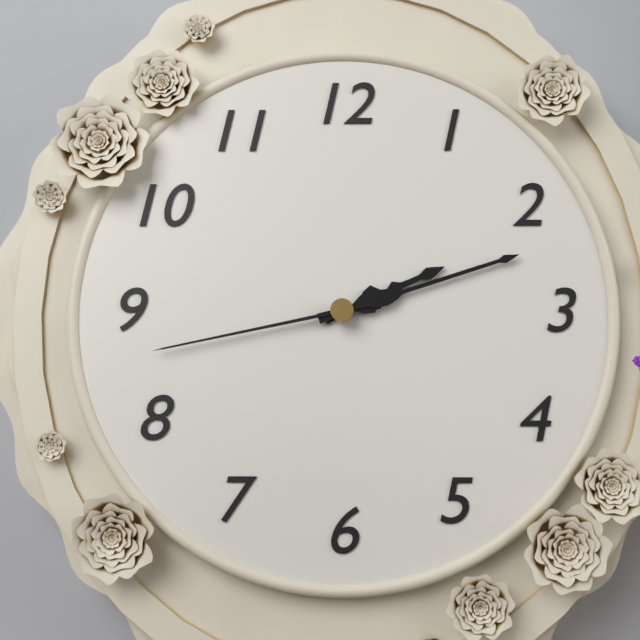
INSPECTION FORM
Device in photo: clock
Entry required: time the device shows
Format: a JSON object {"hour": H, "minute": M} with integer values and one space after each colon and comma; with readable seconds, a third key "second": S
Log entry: {"hour": 2, "minute": 12, "second": 43}
